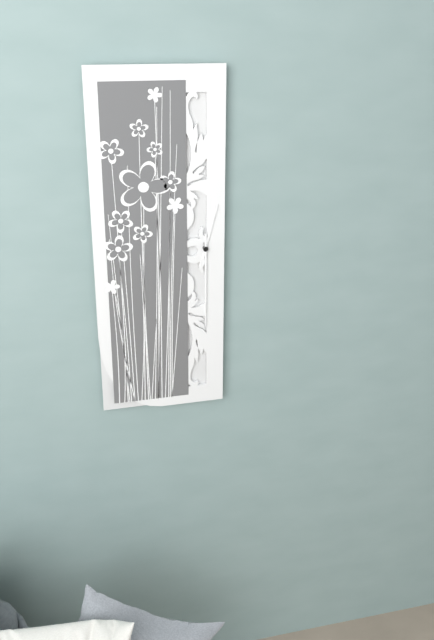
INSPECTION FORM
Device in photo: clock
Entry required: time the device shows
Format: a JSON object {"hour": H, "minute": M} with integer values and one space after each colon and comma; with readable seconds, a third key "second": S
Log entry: {"hour": 12, "minute": 30}
